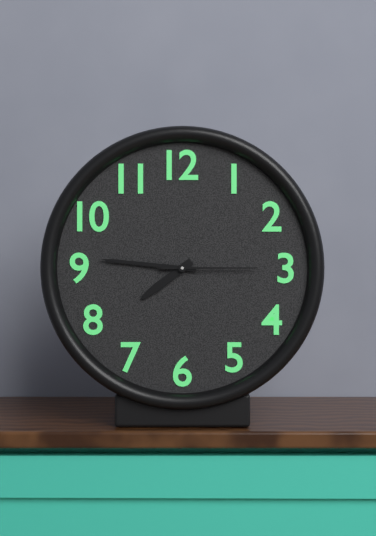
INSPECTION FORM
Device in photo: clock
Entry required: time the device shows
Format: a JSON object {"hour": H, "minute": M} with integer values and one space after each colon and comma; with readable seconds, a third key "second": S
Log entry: {"hour": 7, "minute": 46, "second": 15}
